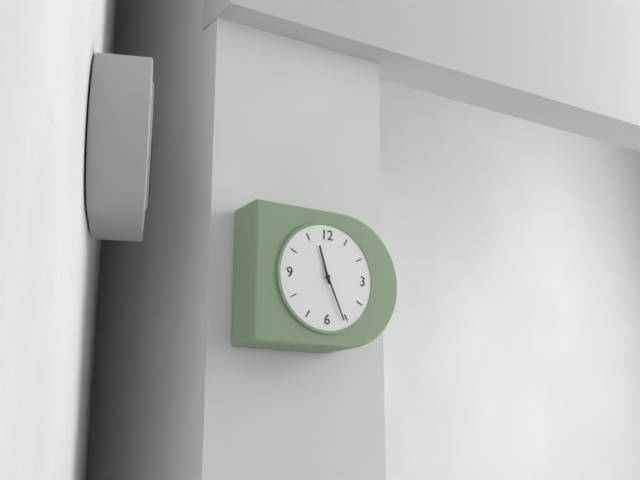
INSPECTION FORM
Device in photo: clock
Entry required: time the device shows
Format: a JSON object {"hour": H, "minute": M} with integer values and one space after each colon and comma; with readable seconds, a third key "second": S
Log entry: {"hour": 11, "minute": 26}
